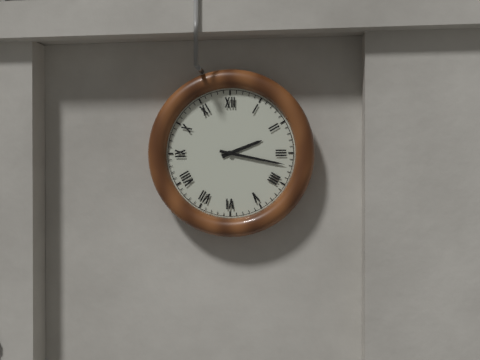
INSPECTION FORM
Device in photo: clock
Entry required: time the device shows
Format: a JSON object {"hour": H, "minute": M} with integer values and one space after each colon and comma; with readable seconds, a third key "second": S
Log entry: {"hour": 2, "minute": 17}
